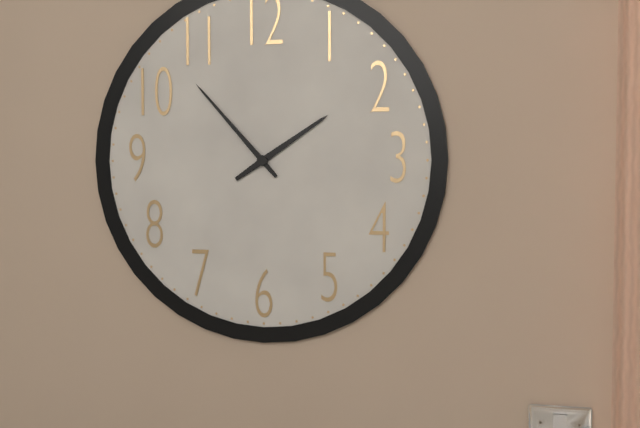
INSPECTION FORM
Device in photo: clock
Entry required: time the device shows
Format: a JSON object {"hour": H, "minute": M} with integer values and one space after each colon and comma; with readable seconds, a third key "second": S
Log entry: {"hour": 1, "minute": 53}
